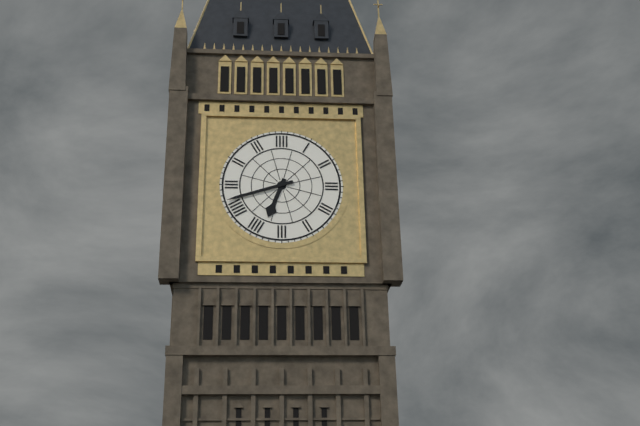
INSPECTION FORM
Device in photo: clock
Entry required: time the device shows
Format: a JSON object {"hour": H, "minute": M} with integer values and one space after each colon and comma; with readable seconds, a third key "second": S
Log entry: {"hour": 6, "minute": 42}
